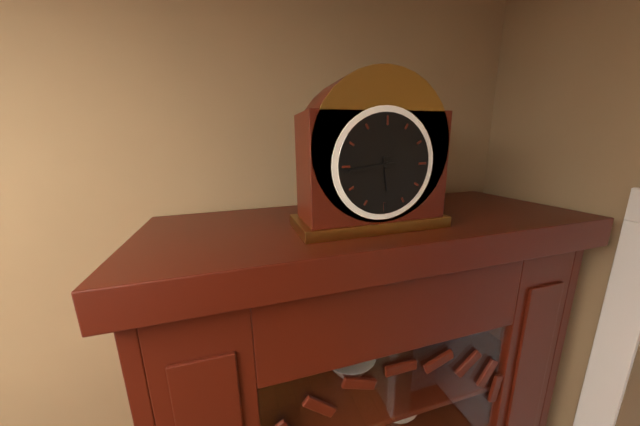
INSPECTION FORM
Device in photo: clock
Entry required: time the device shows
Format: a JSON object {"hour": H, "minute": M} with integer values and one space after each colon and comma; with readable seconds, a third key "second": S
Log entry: {"hour": 5, "minute": 44}
